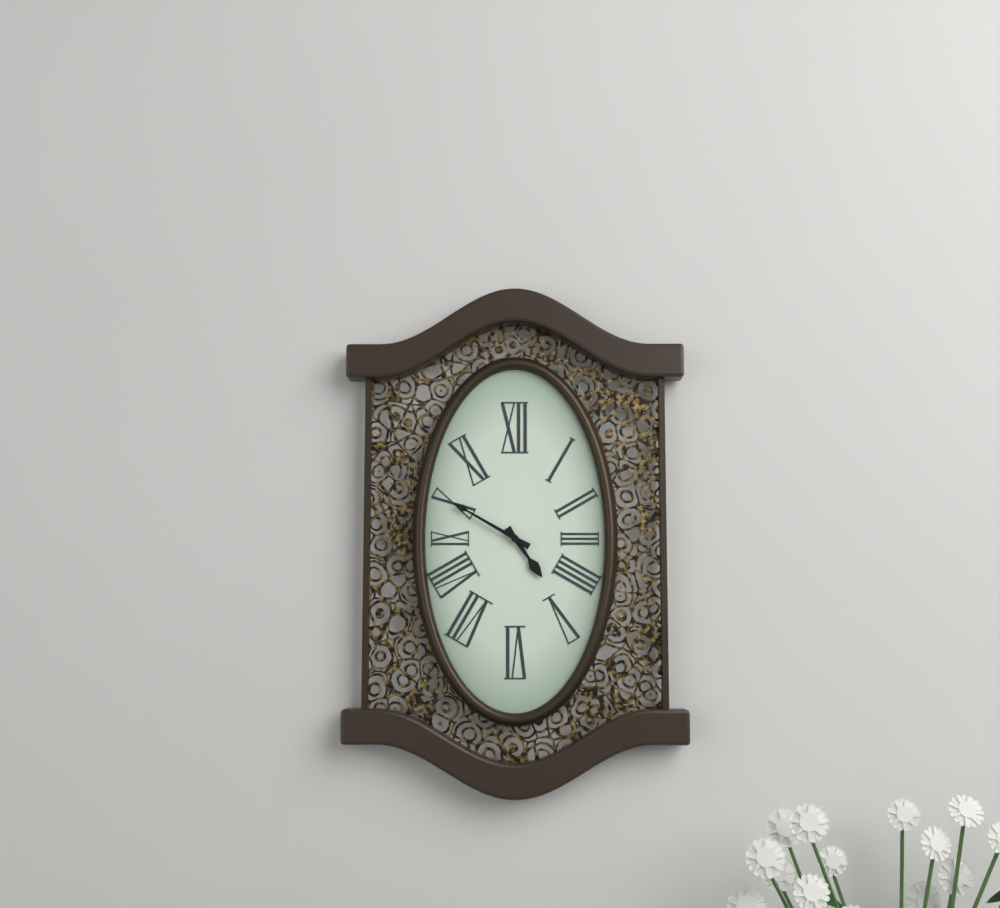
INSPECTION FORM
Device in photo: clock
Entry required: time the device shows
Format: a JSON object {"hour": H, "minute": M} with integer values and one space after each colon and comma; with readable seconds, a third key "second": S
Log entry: {"hour": 4, "minute": 50}
